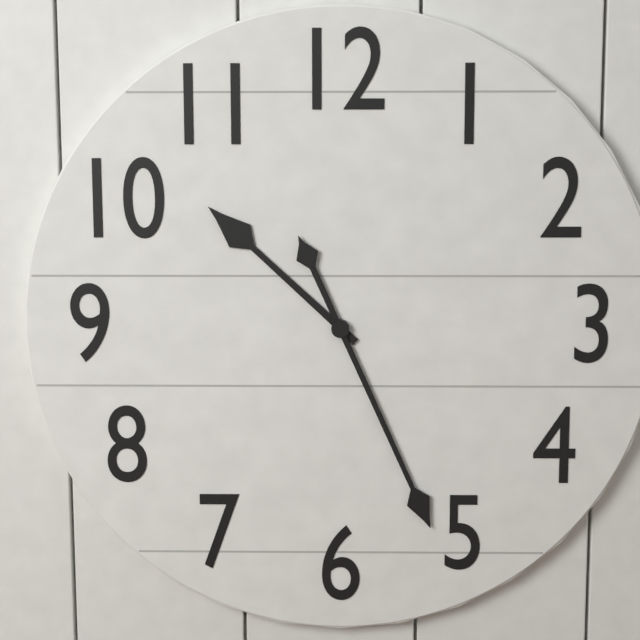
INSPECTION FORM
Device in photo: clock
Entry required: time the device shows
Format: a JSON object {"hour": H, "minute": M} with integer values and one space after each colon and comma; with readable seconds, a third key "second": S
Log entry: {"hour": 10, "minute": 26}
